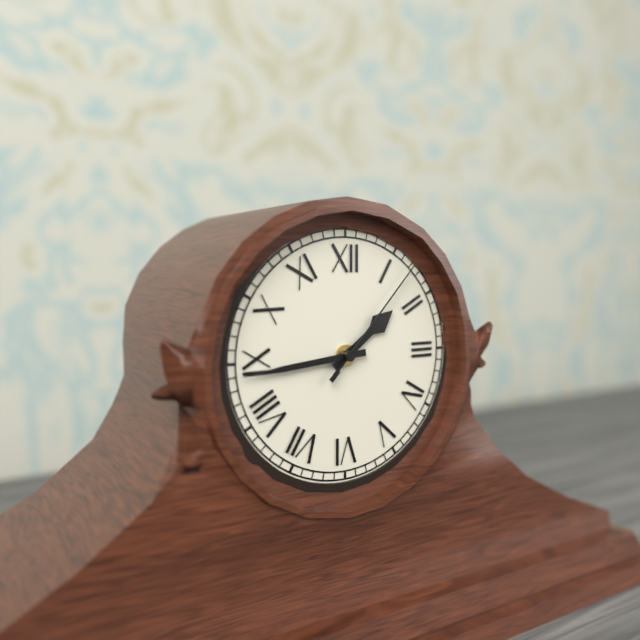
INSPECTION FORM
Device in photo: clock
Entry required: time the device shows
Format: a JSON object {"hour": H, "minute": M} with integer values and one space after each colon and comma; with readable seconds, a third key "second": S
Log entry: {"hour": 1, "minute": 44, "second": 7}
